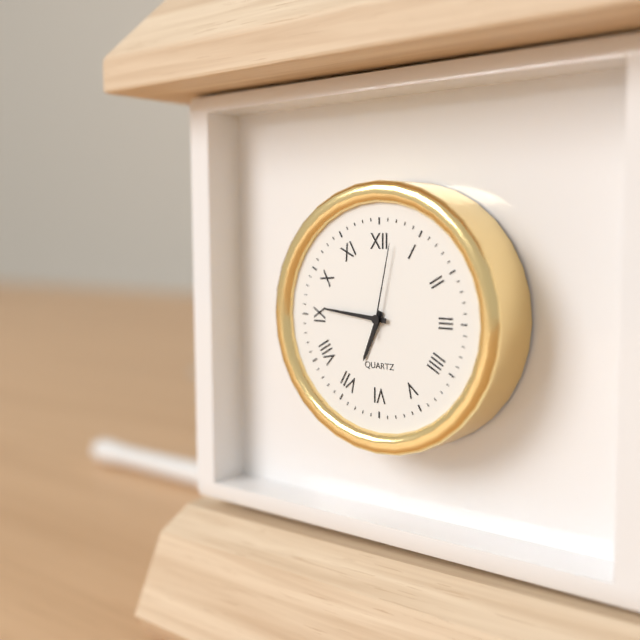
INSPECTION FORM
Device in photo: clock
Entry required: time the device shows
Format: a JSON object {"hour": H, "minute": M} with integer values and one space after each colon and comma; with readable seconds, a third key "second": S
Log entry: {"hour": 6, "minute": 46, "second": 2}
